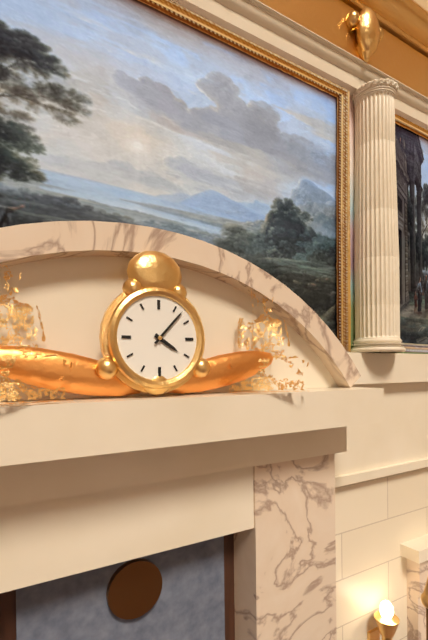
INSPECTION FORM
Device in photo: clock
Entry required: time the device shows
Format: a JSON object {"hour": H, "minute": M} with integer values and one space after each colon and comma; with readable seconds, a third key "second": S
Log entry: {"hour": 4, "minute": 7}
